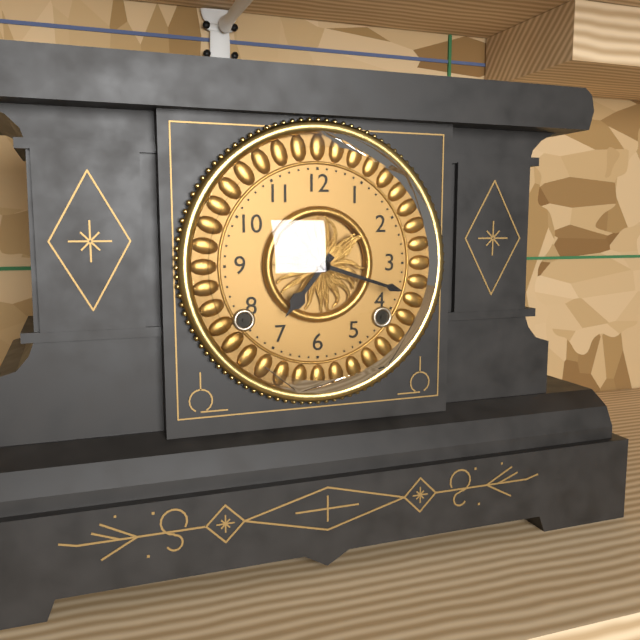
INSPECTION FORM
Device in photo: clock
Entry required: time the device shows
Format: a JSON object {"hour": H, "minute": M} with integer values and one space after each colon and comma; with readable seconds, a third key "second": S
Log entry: {"hour": 7, "minute": 18}
